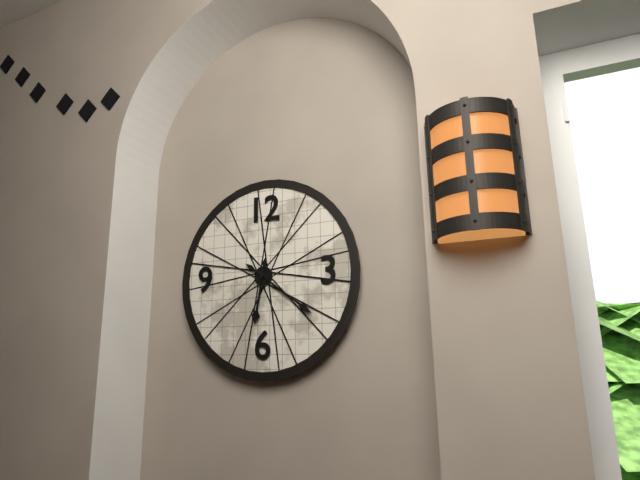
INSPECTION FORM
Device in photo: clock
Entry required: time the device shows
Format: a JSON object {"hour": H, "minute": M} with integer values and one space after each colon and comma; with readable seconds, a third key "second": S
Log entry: {"hour": 6, "minute": 21}
